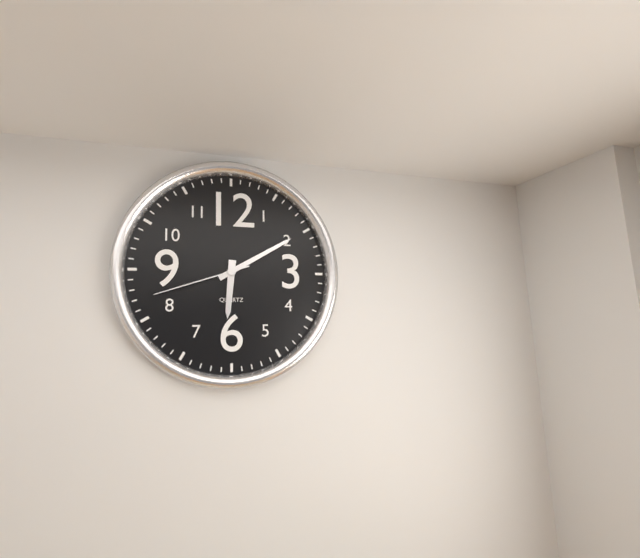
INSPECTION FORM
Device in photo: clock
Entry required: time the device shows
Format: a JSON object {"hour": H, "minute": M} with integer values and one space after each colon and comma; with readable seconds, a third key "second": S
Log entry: {"hour": 6, "minute": 10, "second": 42}
